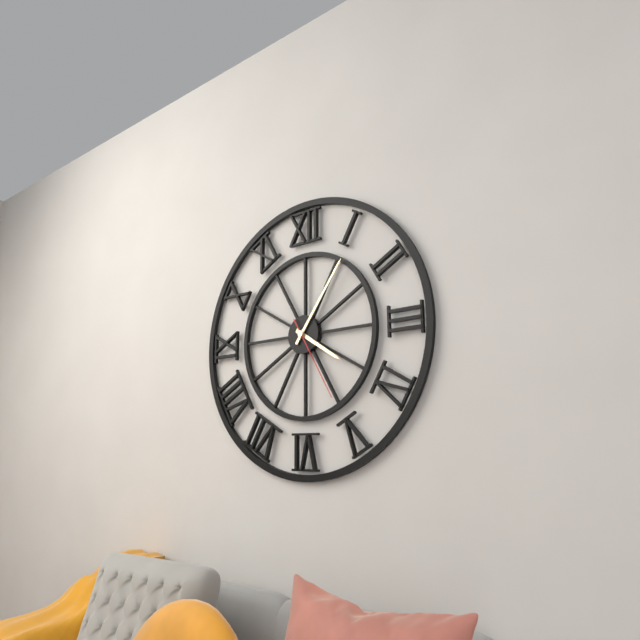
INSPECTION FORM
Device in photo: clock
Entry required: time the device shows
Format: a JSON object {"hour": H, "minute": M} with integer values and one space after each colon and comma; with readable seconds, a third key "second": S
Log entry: {"hour": 4, "minute": 6, "second": 25}
